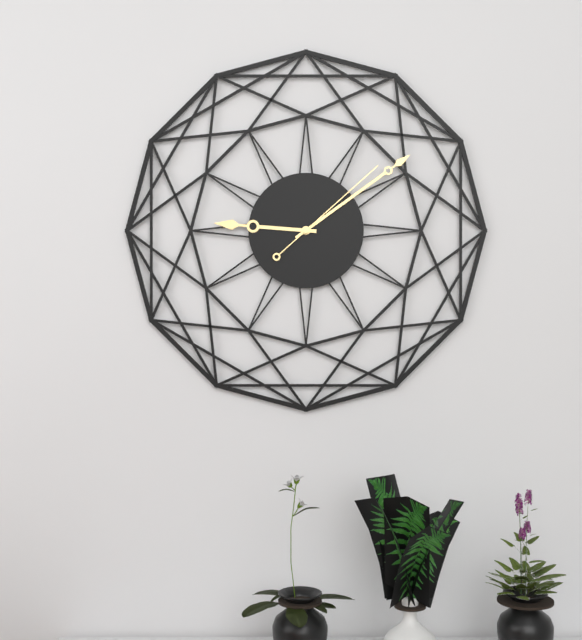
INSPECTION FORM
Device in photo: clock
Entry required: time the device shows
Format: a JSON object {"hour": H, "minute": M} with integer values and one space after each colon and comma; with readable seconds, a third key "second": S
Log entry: {"hour": 9, "minute": 9, "second": 8}
